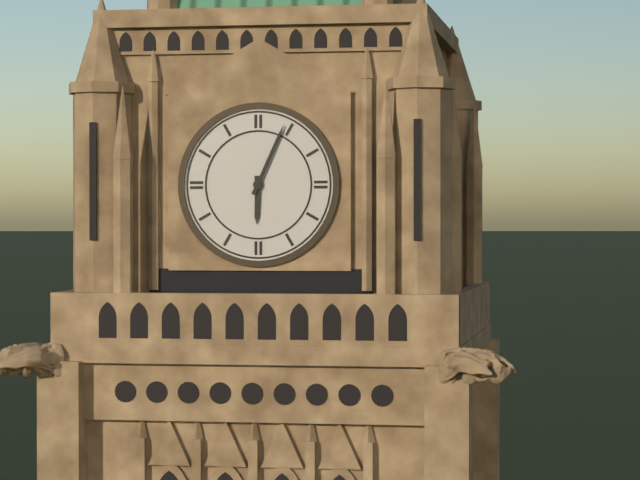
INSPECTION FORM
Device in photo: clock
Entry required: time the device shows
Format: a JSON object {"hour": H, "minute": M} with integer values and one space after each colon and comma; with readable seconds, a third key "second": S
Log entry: {"hour": 6, "minute": 4}
